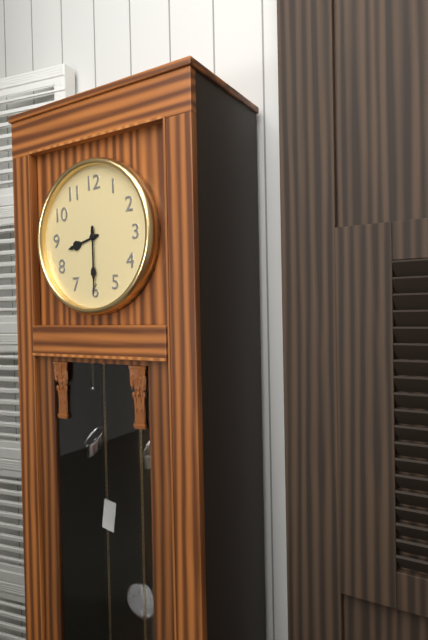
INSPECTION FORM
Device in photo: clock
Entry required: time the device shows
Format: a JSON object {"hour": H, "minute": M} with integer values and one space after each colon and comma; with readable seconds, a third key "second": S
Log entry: {"hour": 8, "minute": 30}
